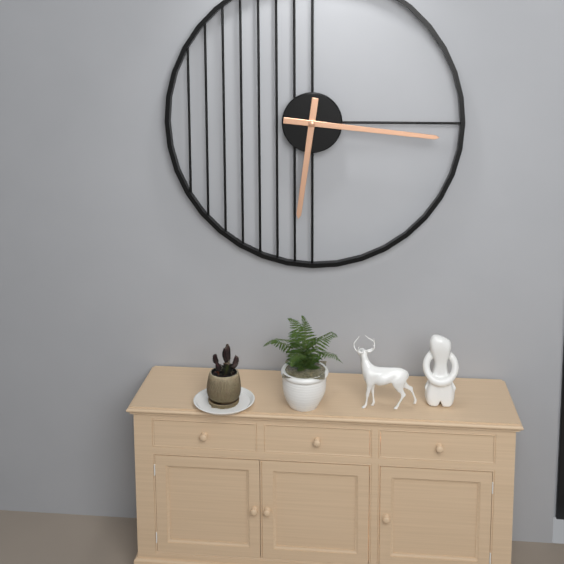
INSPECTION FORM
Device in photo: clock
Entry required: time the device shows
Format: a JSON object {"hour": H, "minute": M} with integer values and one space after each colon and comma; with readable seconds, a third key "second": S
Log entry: {"hour": 6, "minute": 16}
